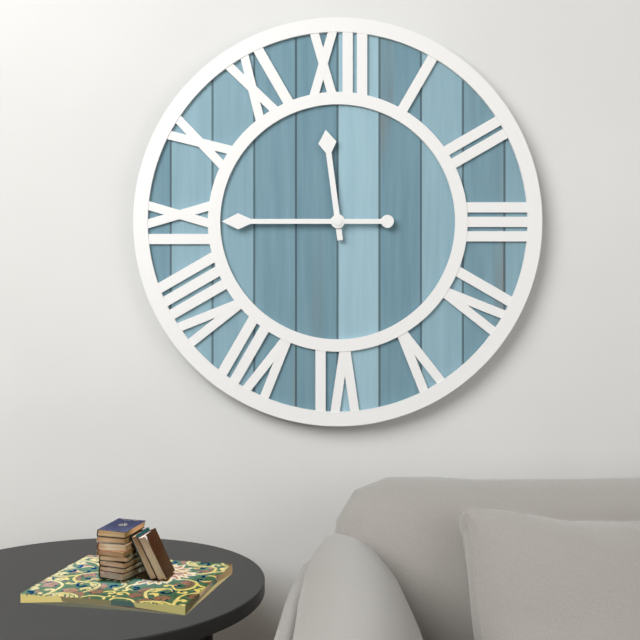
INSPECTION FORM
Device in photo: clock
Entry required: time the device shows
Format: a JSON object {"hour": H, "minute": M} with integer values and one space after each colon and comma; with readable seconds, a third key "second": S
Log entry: {"hour": 11, "minute": 45}
